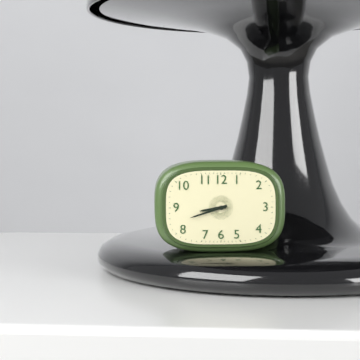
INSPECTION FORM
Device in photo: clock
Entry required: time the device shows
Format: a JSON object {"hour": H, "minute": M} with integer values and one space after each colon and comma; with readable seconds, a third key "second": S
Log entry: {"hour": 8, "minute": 42}
